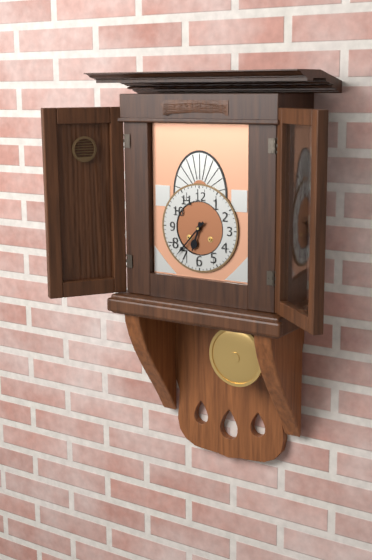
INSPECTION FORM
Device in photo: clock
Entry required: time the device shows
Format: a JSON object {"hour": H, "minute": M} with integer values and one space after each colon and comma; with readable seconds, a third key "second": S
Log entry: {"hour": 6, "minute": 37}
